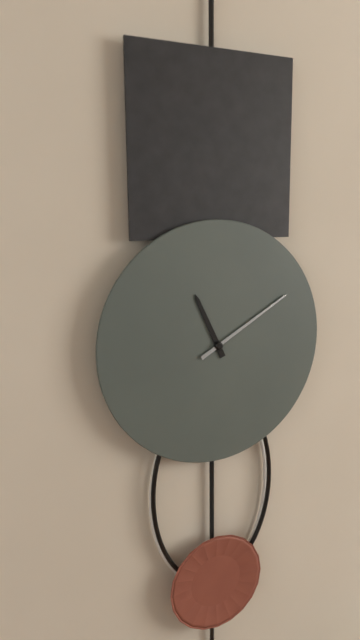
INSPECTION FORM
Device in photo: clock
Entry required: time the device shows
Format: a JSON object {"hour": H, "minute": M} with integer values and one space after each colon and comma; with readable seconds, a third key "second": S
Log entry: {"hour": 11, "minute": 10}
